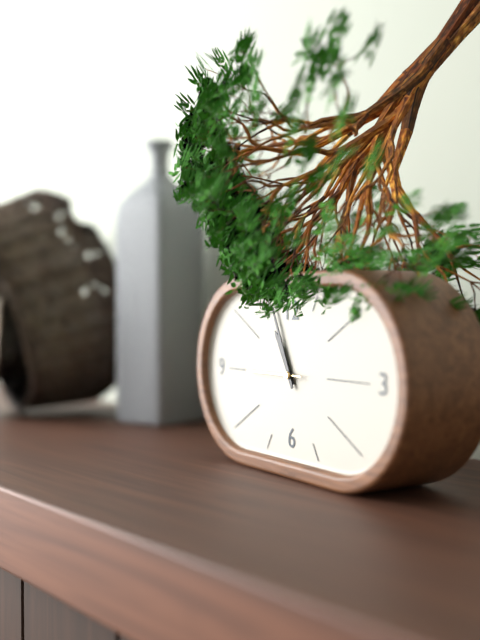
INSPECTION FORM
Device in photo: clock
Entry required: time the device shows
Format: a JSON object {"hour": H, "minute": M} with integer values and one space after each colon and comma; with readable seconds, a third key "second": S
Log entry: {"hour": 10, "minute": 56, "second": 45}
